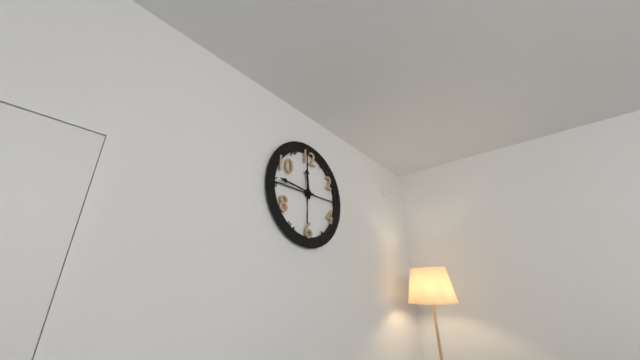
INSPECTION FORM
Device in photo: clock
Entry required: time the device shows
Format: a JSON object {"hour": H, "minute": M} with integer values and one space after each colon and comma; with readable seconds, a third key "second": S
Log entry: {"hour": 11, "minute": 46}
